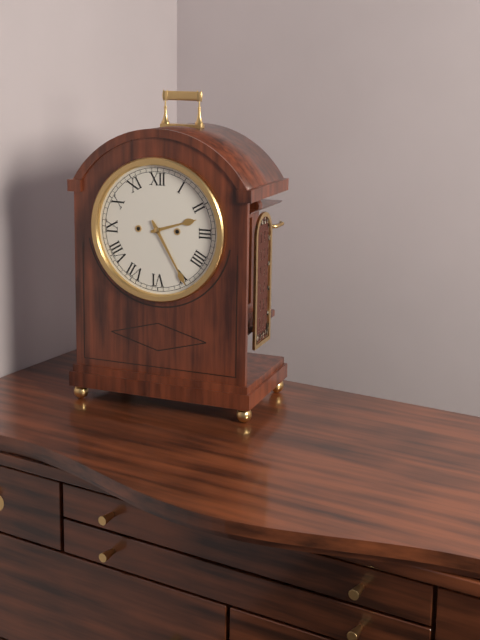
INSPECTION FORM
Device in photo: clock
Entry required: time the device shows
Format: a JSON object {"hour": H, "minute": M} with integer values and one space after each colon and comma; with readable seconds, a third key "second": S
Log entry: {"hour": 2, "minute": 25}
